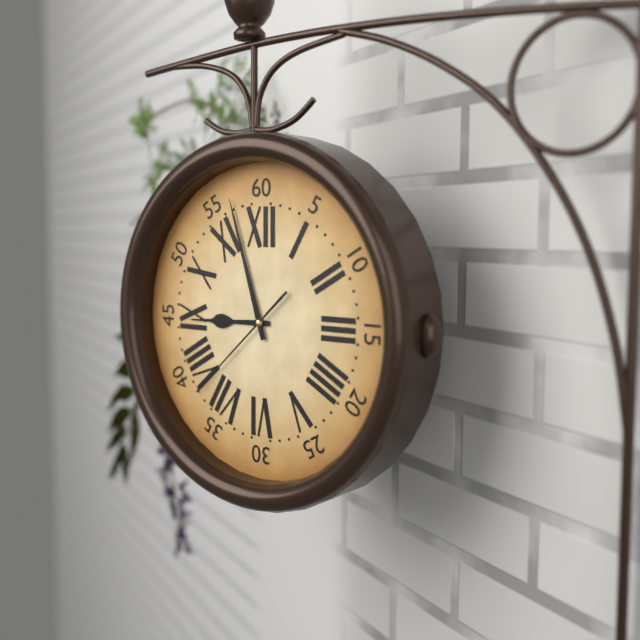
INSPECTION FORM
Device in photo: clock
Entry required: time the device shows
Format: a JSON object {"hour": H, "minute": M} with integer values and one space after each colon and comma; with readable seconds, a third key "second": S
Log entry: {"hour": 8, "minute": 57, "second": 38}
